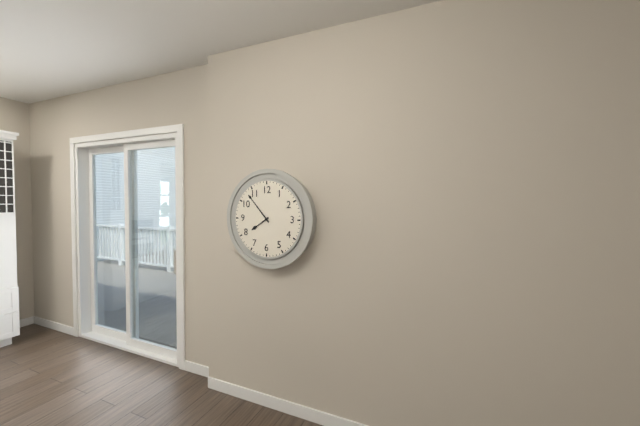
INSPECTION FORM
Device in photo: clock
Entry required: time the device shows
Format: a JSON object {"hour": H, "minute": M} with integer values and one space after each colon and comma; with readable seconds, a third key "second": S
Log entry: {"hour": 7, "minute": 53}
